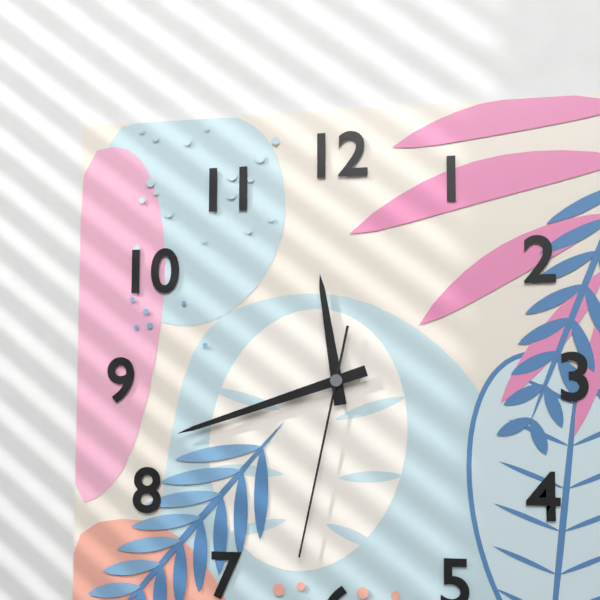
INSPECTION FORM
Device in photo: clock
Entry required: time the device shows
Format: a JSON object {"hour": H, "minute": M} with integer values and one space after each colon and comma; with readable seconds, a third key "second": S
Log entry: {"hour": 11, "minute": 42, "second": 32}
